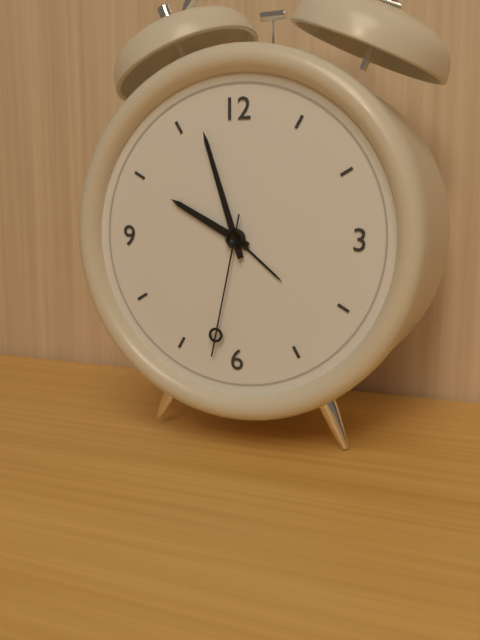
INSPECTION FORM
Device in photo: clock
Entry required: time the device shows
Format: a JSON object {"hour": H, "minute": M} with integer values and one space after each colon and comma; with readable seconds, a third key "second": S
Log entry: {"hour": 9, "minute": 57, "second": 32}
